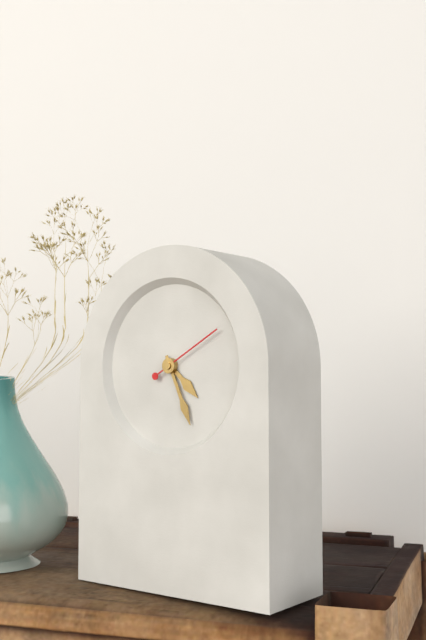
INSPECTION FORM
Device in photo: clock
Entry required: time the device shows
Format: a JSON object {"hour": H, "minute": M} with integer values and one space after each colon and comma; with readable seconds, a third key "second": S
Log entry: {"hour": 4, "minute": 26, "second": 10}
